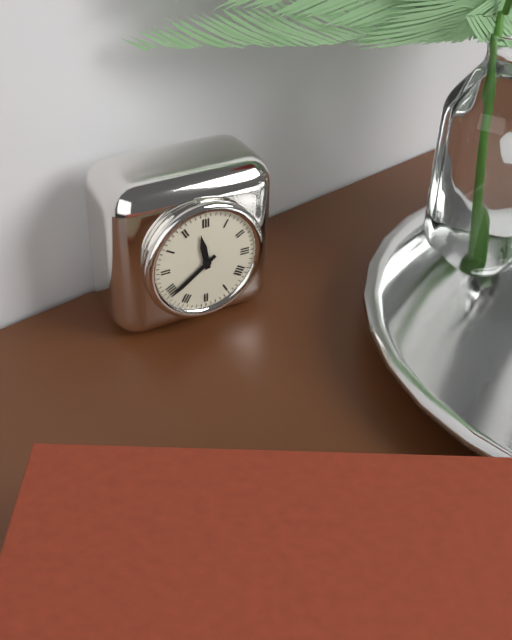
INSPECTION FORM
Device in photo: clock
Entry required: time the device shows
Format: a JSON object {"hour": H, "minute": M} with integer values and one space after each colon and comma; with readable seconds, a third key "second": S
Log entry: {"hour": 11, "minute": 39}
